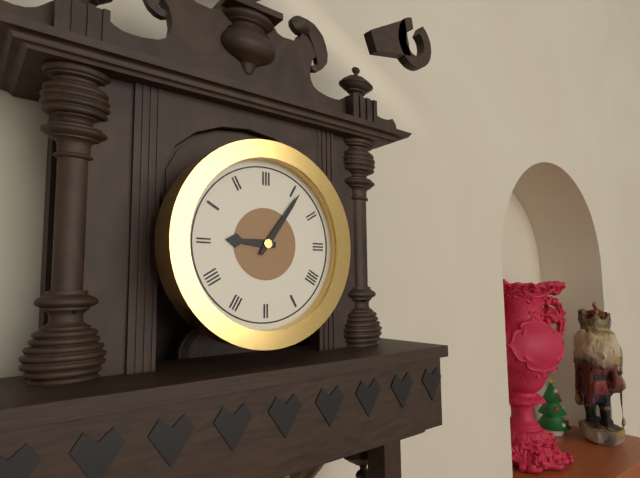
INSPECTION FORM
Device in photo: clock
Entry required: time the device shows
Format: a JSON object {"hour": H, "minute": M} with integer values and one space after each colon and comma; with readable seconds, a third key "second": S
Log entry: {"hour": 9, "minute": 6}
